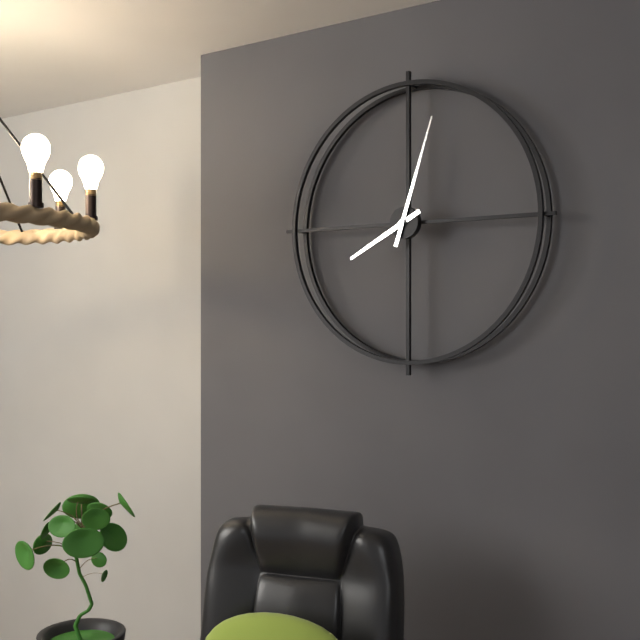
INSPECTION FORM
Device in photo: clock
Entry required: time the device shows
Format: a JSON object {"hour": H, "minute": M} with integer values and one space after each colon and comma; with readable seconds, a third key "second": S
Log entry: {"hour": 8, "minute": 3}
